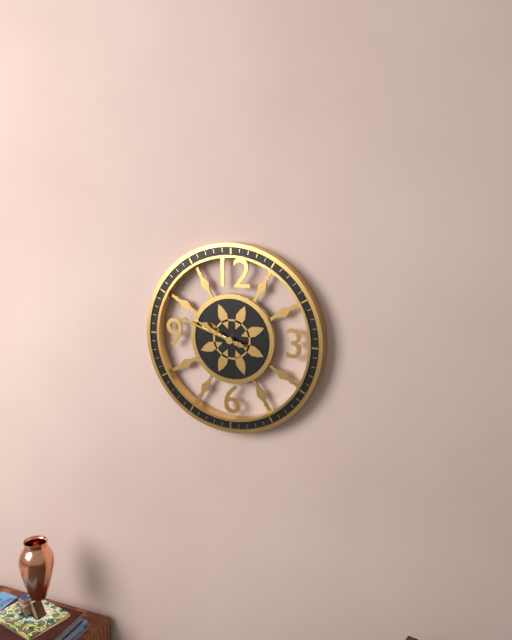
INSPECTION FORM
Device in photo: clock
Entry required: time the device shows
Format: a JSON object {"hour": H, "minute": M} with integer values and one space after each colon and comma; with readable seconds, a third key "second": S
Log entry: {"hour": 9, "minute": 48}
